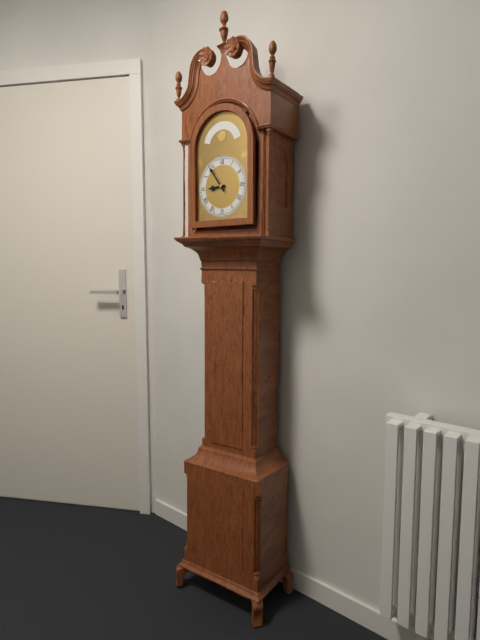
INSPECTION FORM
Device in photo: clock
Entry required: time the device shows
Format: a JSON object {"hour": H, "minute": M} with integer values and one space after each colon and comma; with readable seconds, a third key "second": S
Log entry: {"hour": 8, "minute": 54}
